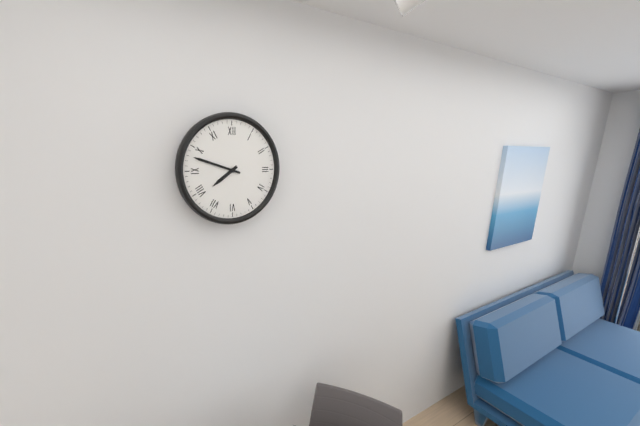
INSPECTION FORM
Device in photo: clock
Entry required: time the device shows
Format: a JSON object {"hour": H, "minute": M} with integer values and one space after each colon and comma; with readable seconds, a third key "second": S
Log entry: {"hour": 7, "minute": 48}
